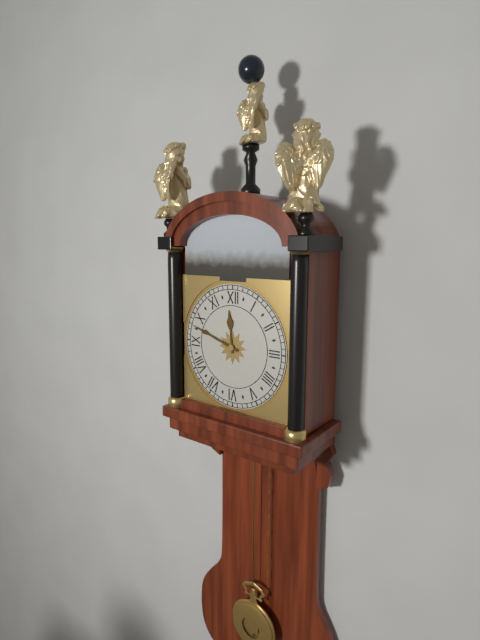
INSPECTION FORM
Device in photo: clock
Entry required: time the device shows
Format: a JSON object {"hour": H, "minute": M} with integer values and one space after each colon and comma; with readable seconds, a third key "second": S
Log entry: {"hour": 11, "minute": 48}
